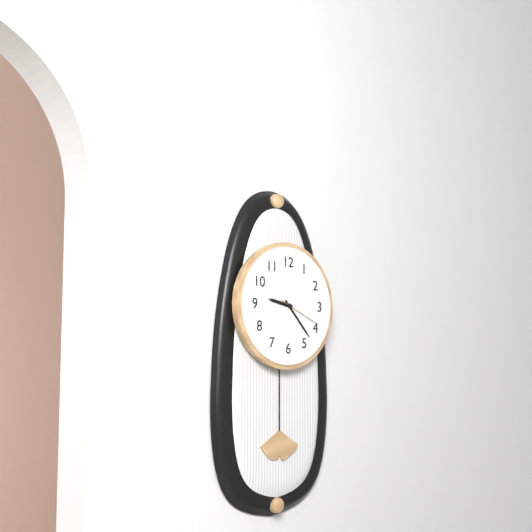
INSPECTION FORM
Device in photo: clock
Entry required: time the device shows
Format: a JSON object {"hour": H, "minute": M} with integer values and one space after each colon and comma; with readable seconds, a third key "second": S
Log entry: {"hour": 9, "minute": 23}
